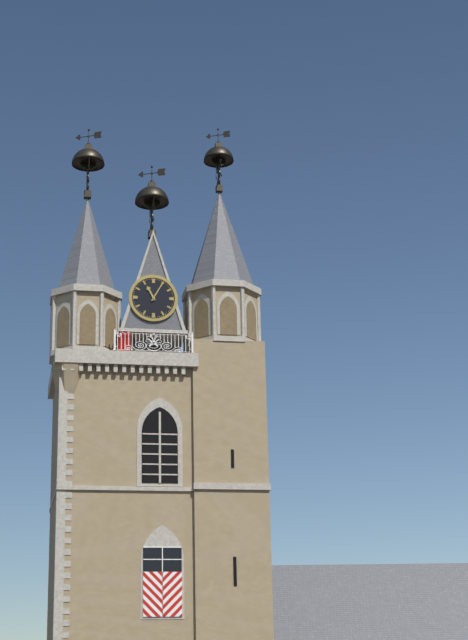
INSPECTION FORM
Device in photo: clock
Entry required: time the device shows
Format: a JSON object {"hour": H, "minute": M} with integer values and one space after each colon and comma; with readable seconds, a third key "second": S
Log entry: {"hour": 11, "minute": 5}
